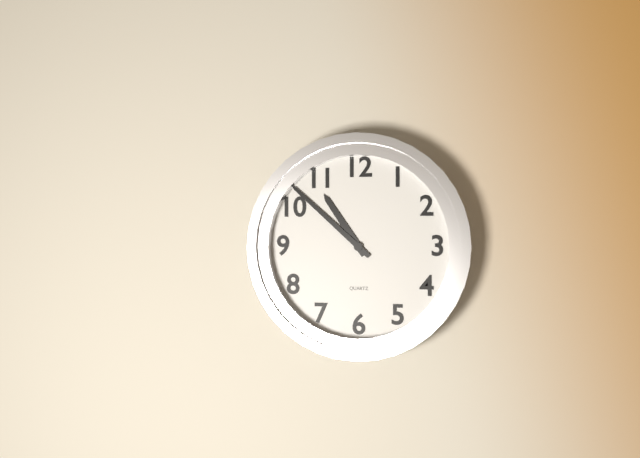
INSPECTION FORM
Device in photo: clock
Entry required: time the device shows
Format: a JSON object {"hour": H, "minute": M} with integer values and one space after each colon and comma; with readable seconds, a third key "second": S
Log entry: {"hour": 10, "minute": 52}
